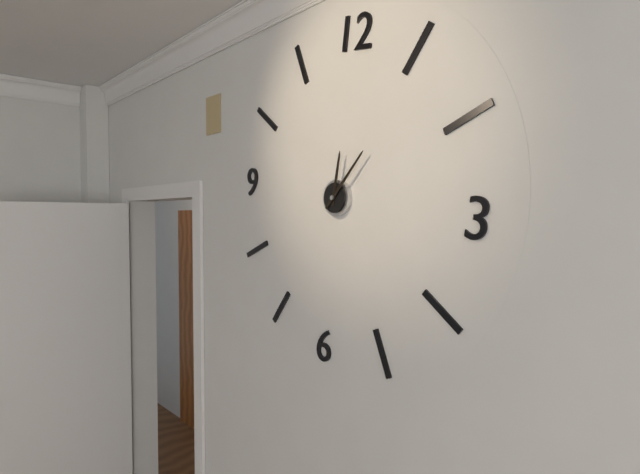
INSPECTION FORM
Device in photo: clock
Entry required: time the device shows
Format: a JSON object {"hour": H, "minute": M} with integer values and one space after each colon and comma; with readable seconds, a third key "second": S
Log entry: {"hour": 12, "minute": 6}
